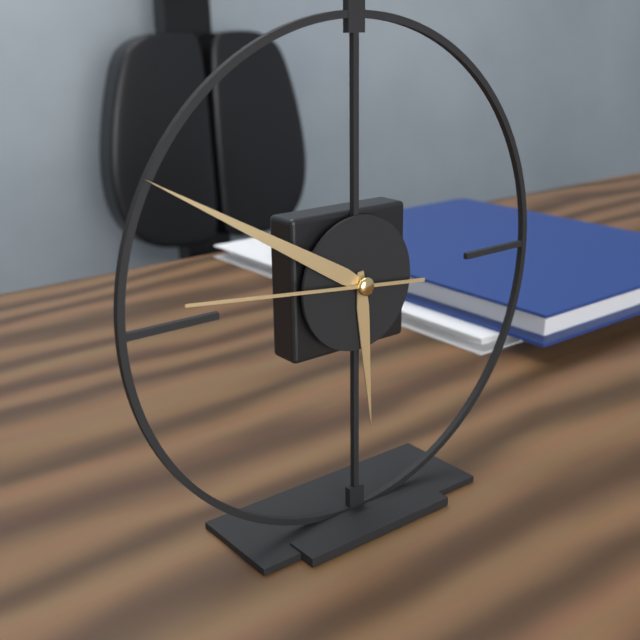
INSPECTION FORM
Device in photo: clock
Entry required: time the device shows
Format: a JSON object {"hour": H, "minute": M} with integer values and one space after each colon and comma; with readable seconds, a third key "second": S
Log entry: {"hour": 5, "minute": 50, "second": 46}
